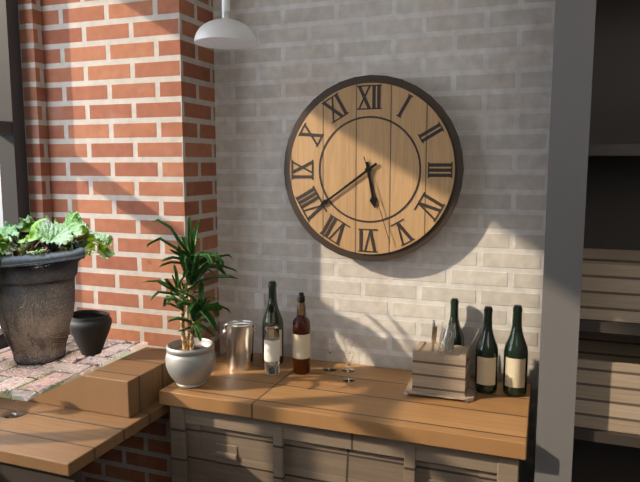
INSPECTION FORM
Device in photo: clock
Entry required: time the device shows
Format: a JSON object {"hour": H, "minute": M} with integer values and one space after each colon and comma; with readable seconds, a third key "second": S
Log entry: {"hour": 5, "minute": 39, "second": 27}
